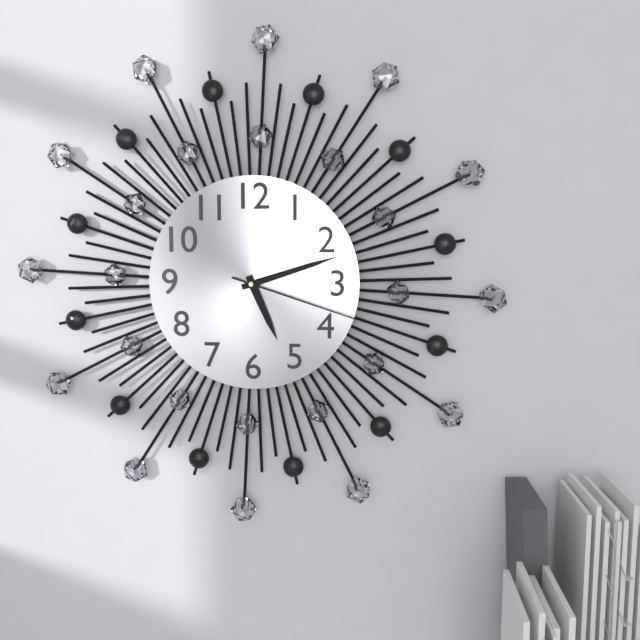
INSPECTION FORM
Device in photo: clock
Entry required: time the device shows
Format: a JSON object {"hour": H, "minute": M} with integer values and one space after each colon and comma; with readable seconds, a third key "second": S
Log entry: {"hour": 5, "minute": 12, "second": 18}
